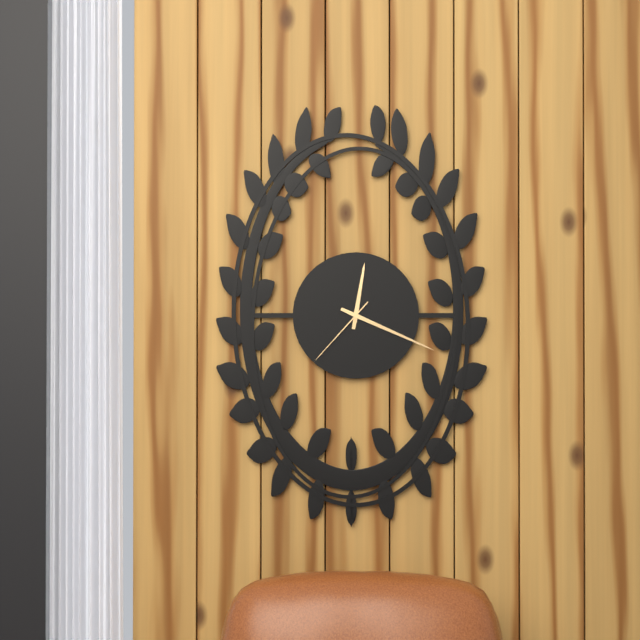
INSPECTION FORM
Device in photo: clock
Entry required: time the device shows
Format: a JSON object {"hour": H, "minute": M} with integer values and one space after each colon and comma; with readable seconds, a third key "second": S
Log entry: {"hour": 12, "minute": 19, "second": 37}
